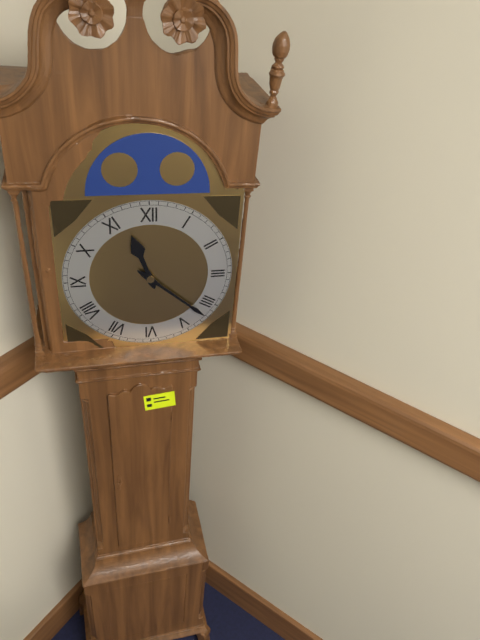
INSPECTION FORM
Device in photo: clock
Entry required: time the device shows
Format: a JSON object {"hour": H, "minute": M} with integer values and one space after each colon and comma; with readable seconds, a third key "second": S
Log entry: {"hour": 11, "minute": 22}
